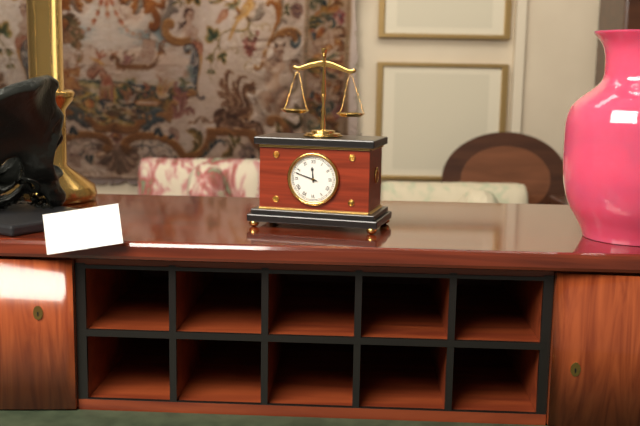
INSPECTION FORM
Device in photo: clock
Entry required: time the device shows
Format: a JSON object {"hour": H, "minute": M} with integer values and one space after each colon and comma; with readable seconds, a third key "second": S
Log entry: {"hour": 11, "minute": 48}
